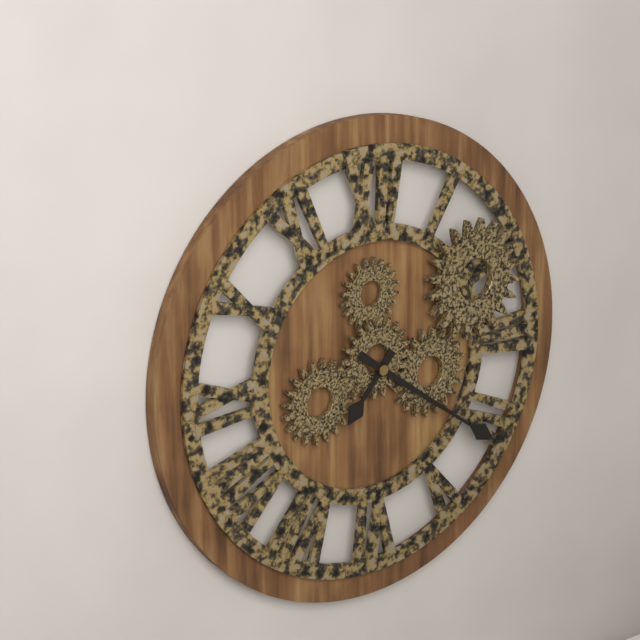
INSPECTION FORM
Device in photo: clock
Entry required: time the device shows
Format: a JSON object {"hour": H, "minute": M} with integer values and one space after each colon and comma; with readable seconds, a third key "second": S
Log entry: {"hour": 7, "minute": 21}
